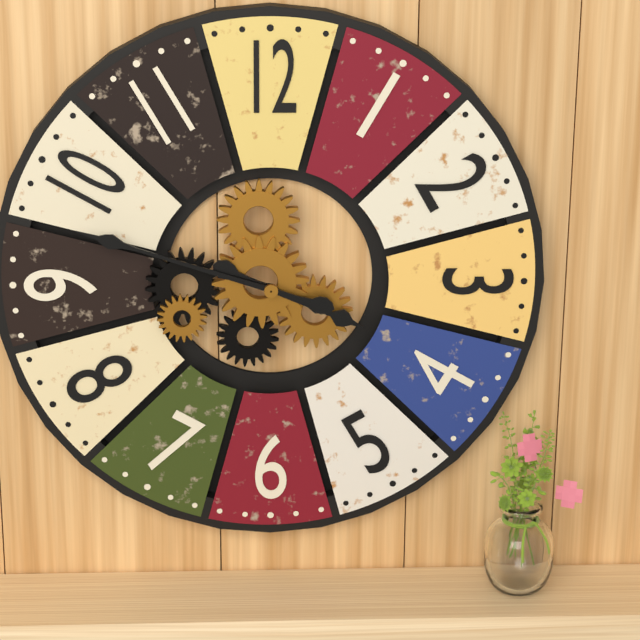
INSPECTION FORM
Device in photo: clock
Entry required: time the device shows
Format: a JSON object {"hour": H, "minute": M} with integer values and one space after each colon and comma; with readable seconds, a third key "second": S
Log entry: {"hour": 3, "minute": 48}
